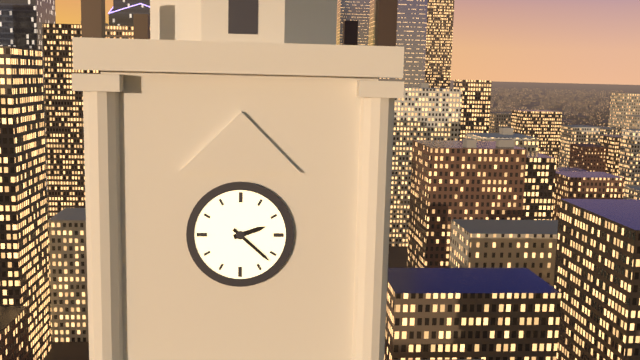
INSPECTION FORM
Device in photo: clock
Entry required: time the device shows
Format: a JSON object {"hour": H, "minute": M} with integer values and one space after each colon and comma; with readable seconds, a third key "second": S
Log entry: {"hour": 2, "minute": 22}
